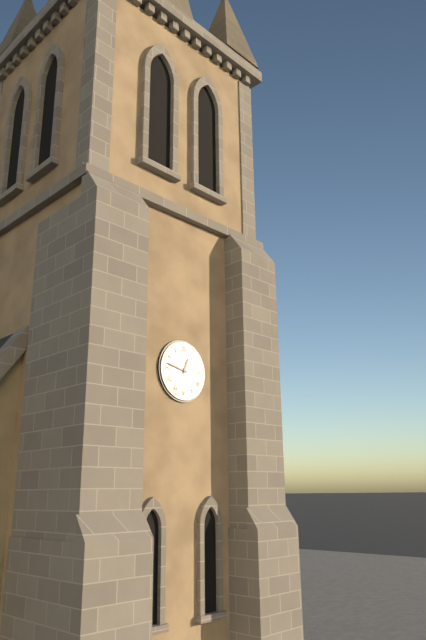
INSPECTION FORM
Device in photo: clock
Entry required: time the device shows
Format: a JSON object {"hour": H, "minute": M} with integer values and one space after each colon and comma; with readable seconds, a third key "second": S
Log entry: {"hour": 12, "minute": 47}
